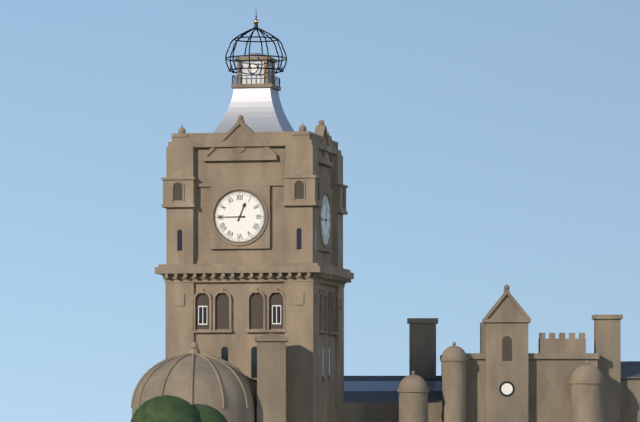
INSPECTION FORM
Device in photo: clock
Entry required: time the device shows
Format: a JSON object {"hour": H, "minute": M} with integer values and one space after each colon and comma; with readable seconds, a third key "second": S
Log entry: {"hour": 12, "minute": 45}
